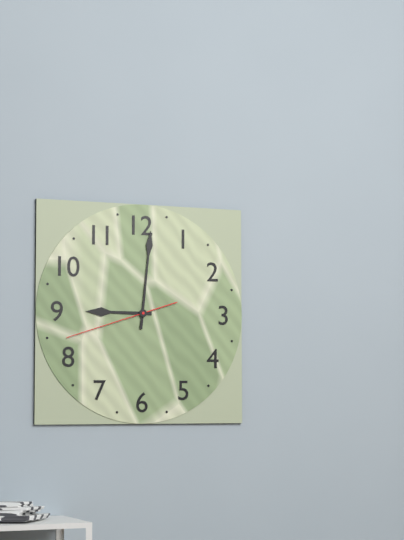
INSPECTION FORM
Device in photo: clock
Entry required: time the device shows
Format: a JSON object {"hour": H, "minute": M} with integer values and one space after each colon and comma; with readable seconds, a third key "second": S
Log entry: {"hour": 9, "minute": 1, "second": 42}
